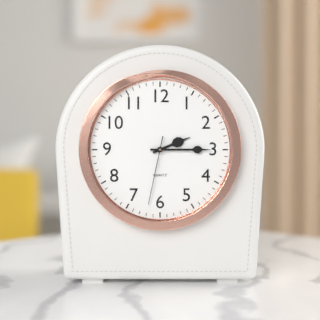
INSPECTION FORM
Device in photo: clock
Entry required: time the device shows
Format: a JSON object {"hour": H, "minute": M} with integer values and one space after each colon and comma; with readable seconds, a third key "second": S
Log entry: {"hour": 2, "minute": 15, "second": 32}
